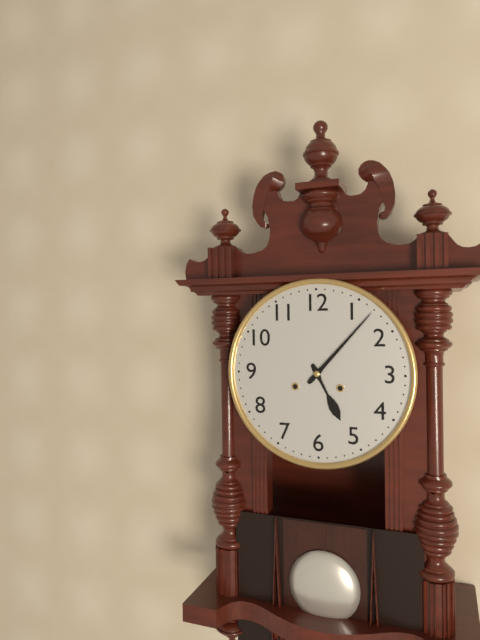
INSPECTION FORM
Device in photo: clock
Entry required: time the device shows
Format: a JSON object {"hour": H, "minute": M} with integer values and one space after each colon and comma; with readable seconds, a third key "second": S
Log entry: {"hour": 5, "minute": 7}
